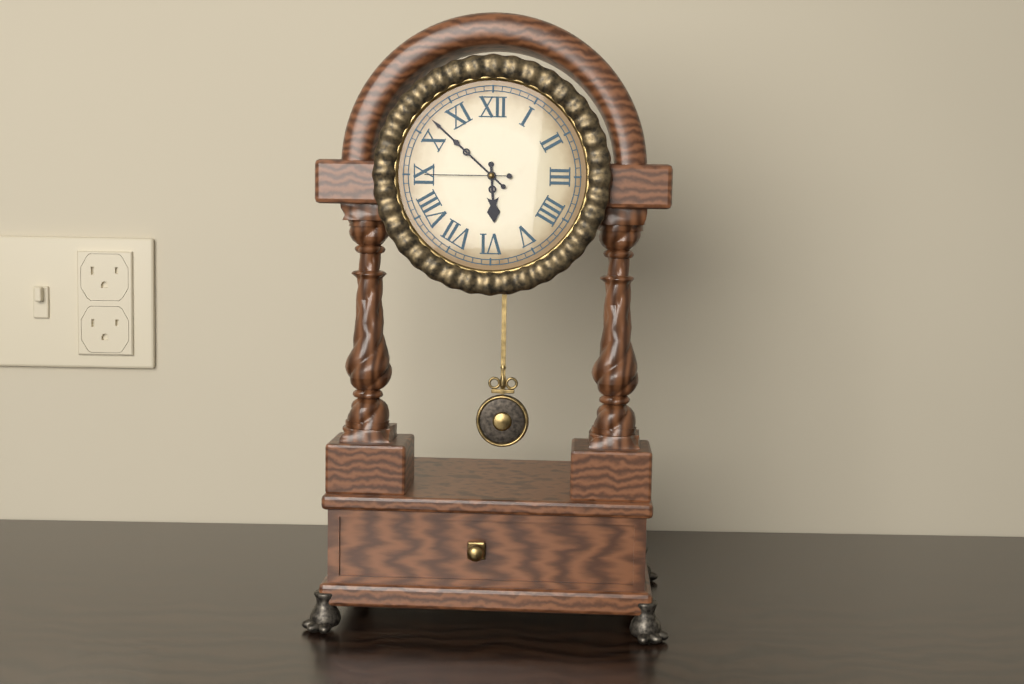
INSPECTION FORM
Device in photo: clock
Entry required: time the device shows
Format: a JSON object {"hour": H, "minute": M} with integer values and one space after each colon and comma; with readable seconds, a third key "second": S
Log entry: {"hour": 5, "minute": 52, "second": 45}
